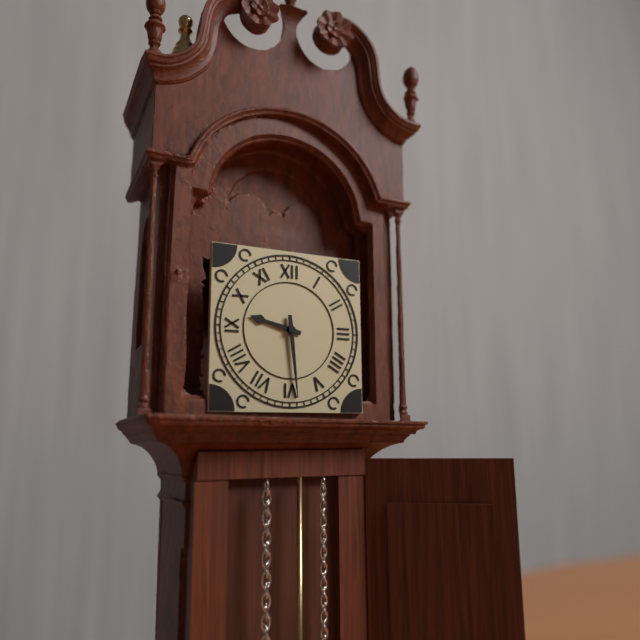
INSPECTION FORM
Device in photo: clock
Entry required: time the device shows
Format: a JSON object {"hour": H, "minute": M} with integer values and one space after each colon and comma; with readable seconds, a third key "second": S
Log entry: {"hour": 9, "minute": 29}
